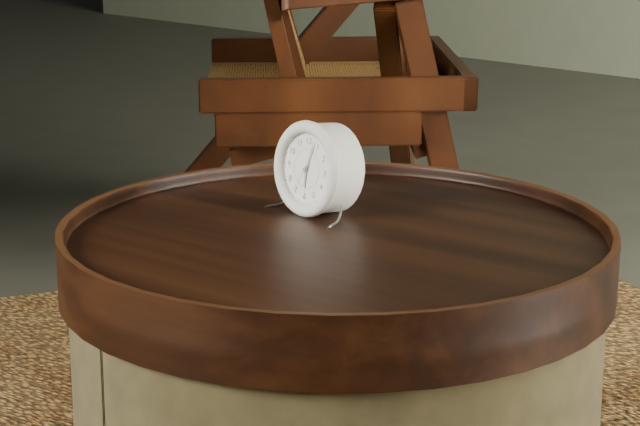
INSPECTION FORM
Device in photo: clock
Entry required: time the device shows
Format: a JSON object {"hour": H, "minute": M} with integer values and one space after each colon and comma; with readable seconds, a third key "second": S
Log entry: {"hour": 6, "minute": 3}
